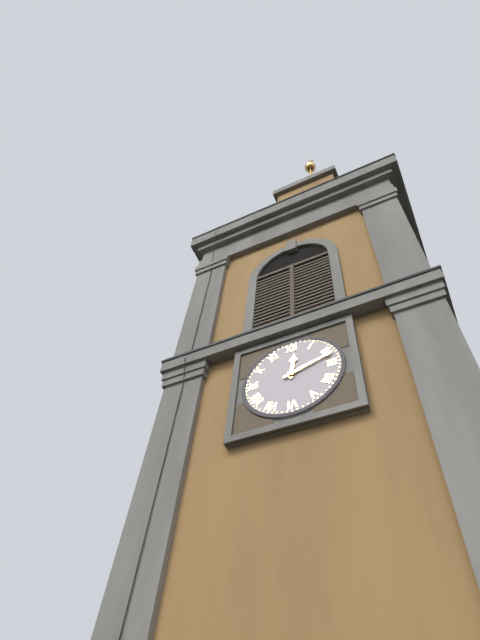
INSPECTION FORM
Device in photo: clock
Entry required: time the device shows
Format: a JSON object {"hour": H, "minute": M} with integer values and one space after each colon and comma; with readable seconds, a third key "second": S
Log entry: {"hour": 12, "minute": 12}
